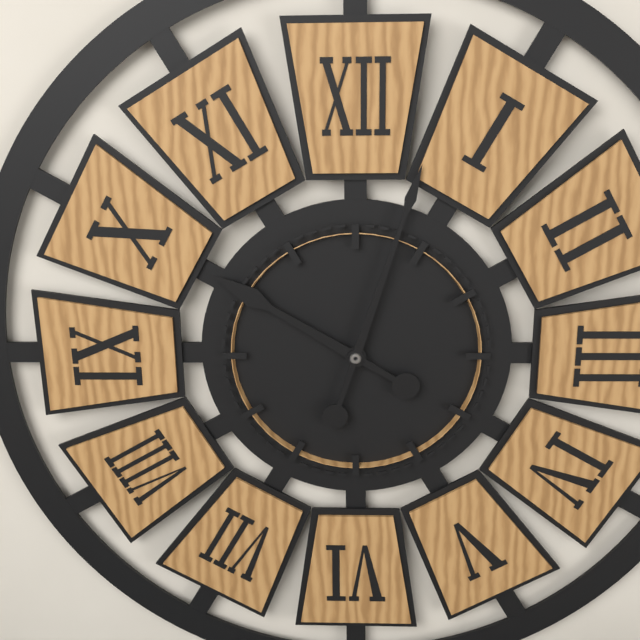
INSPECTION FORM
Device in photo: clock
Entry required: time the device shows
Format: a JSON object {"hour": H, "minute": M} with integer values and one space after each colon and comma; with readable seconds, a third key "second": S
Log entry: {"hour": 10, "minute": 3}
